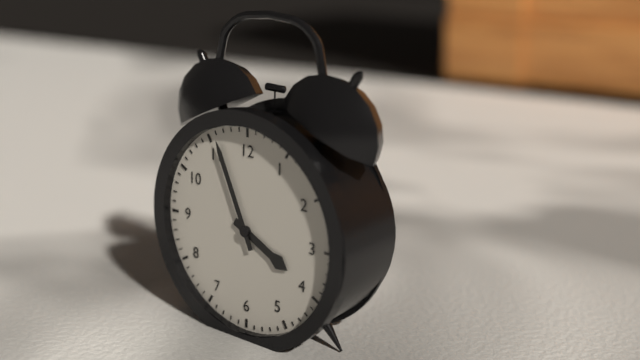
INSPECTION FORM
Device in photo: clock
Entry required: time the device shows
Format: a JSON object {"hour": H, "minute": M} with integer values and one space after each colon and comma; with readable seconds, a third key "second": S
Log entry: {"hour": 3, "minute": 56}
